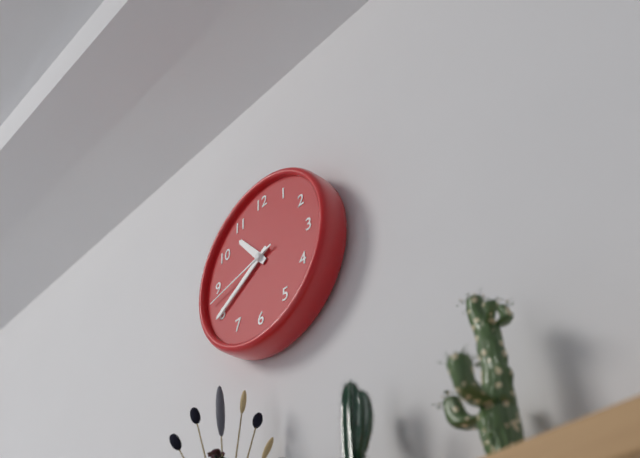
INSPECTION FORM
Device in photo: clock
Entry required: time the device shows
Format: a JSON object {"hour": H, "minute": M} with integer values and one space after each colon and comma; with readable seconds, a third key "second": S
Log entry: {"hour": 10, "minute": 40, "second": 43}
